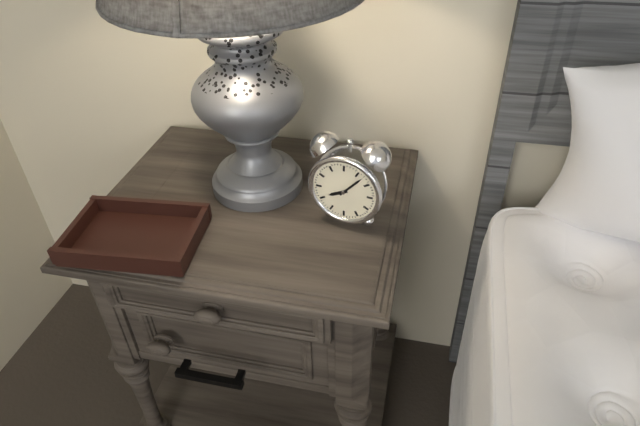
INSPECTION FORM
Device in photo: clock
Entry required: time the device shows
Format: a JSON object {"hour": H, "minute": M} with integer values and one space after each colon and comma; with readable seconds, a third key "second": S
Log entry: {"hour": 8, "minute": 7}
